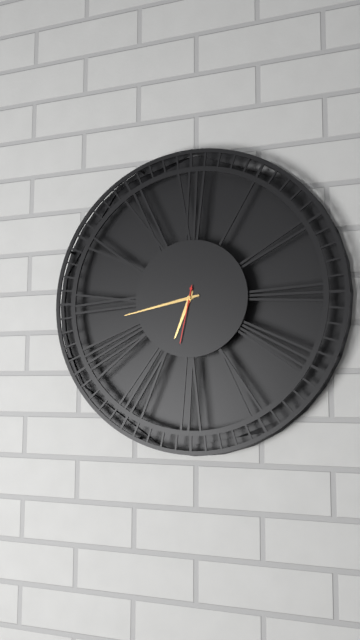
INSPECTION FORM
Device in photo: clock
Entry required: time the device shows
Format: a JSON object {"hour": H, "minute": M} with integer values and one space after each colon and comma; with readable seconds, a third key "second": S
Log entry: {"hour": 6, "minute": 43, "second": 32}
